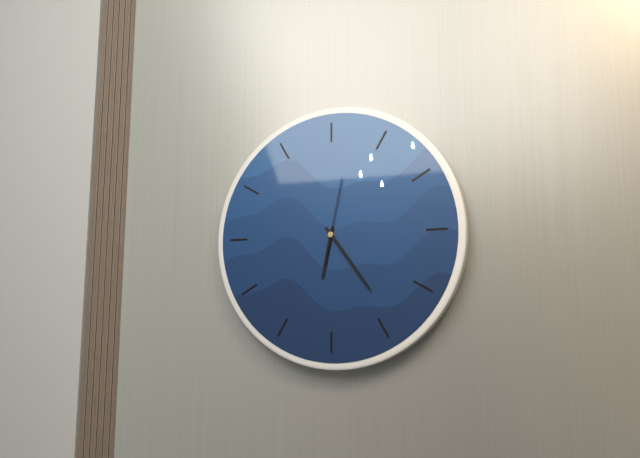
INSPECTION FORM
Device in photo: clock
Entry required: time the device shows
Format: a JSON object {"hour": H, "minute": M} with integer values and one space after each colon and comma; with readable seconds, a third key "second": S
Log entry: {"hour": 6, "minute": 24, "second": 2}
